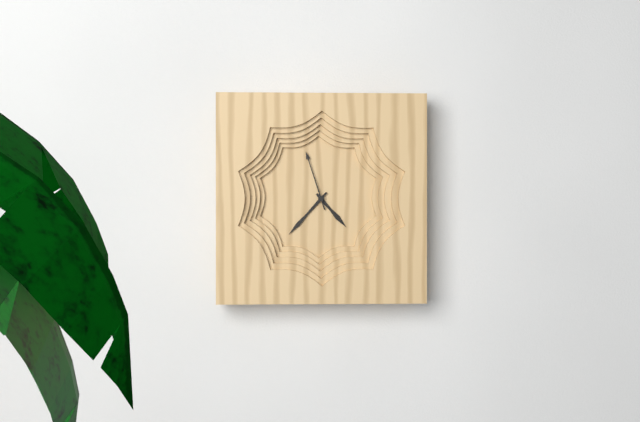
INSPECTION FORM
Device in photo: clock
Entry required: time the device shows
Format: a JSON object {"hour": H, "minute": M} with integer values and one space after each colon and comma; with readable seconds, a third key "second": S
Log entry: {"hour": 4, "minute": 37, "second": 57}
